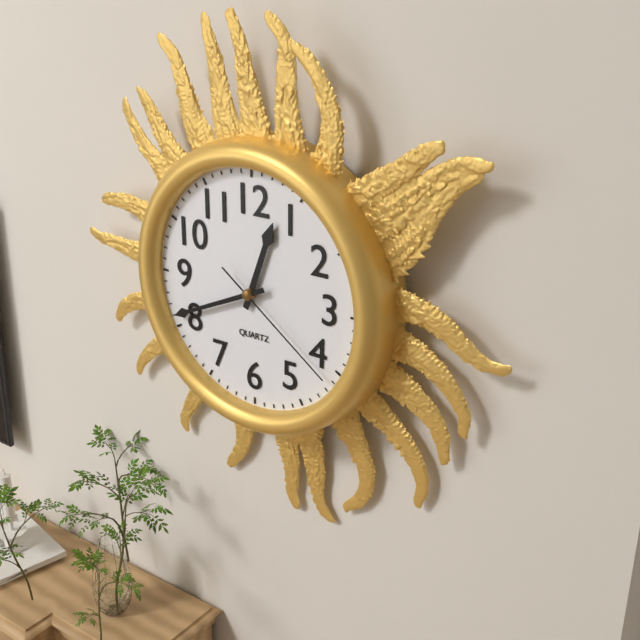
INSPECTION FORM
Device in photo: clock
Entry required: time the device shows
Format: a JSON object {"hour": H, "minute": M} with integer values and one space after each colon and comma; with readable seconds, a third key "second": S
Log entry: {"hour": 12, "minute": 41, "second": 21}
